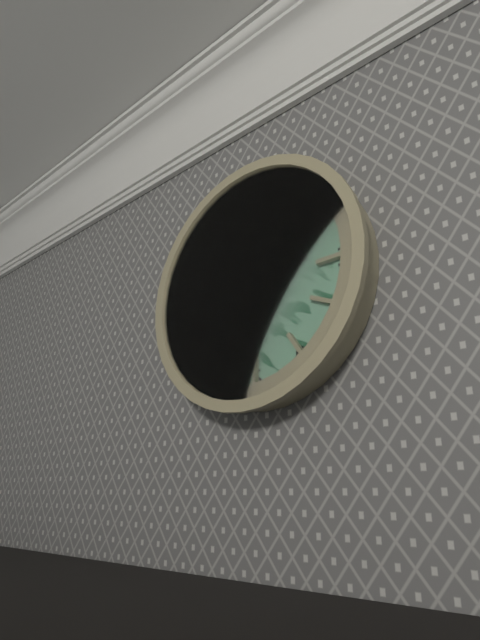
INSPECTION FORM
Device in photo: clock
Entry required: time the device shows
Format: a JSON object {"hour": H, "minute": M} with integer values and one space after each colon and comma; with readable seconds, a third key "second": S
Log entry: {"hour": 2, "minute": 38, "second": 7}
